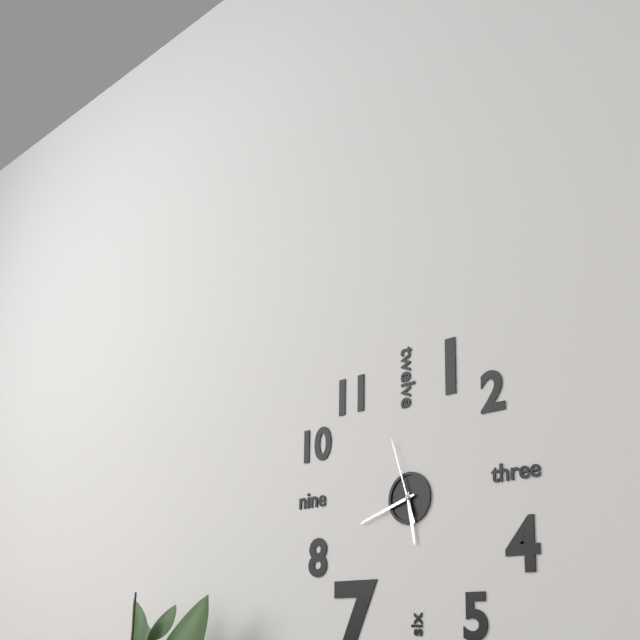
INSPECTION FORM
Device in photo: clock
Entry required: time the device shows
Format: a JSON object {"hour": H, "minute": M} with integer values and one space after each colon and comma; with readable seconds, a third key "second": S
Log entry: {"hour": 5, "minute": 42, "second": 57}
